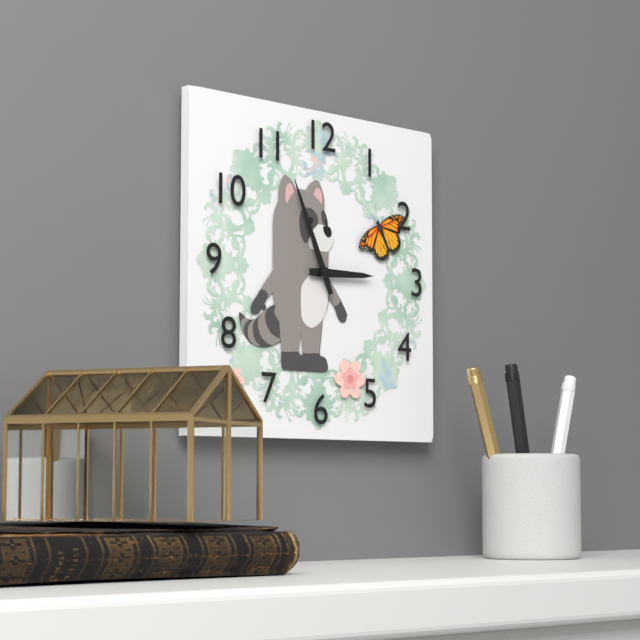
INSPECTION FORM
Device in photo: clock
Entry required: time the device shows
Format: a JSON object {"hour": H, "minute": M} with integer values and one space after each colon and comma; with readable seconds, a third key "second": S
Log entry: {"hour": 2, "minute": 56}
